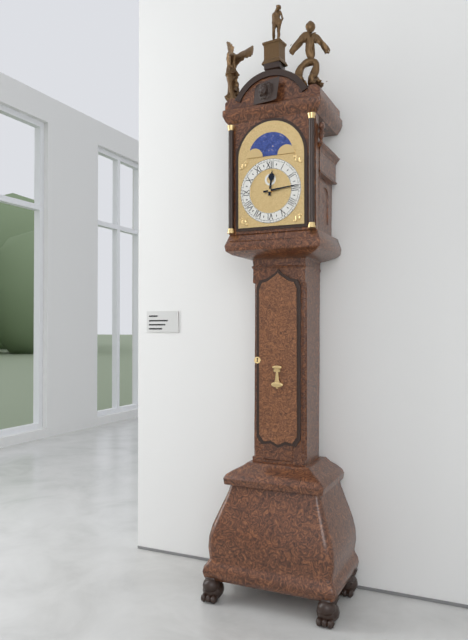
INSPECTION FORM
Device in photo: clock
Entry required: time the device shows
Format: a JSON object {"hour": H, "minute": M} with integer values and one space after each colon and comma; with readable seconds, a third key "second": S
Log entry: {"hour": 12, "minute": 14}
